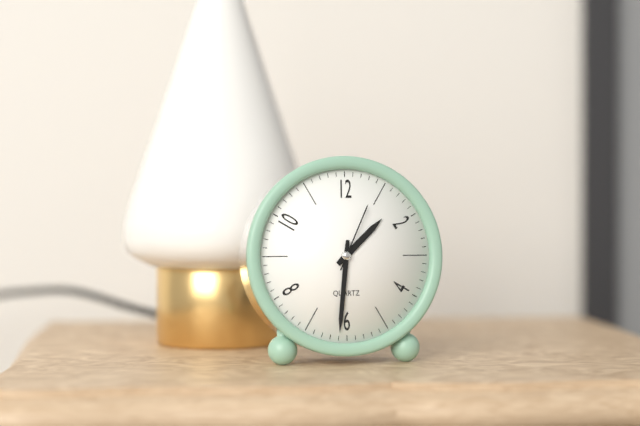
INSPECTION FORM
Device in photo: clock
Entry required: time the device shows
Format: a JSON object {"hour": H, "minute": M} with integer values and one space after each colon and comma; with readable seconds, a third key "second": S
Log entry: {"hour": 1, "minute": 31, "second": 4}
